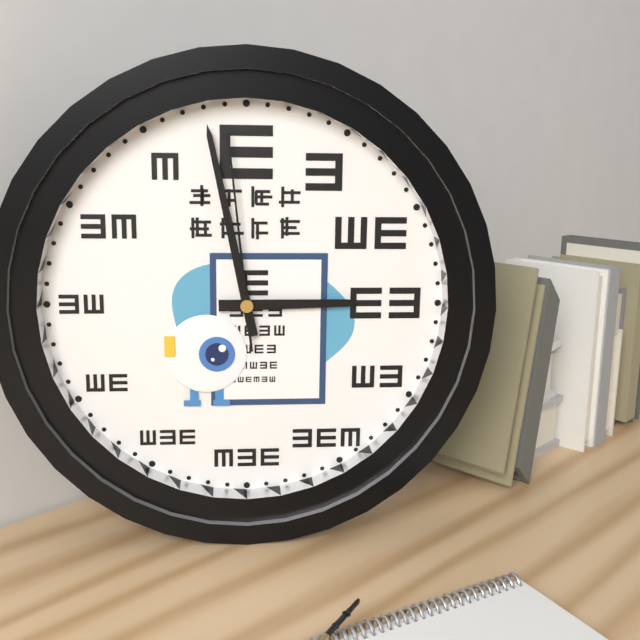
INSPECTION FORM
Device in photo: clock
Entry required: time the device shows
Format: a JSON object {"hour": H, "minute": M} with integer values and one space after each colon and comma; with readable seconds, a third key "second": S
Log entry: {"hour": 2, "minute": 58, "second": 59}
